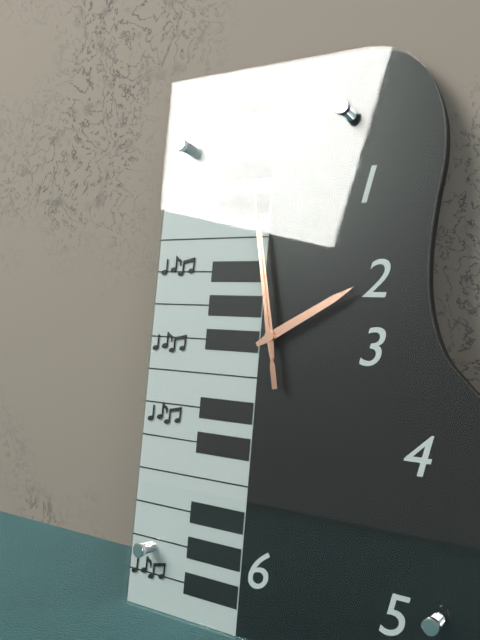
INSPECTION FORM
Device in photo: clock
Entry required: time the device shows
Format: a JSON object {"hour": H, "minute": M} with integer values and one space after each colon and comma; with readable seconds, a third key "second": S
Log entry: {"hour": 1, "minute": 58, "second": 58}
